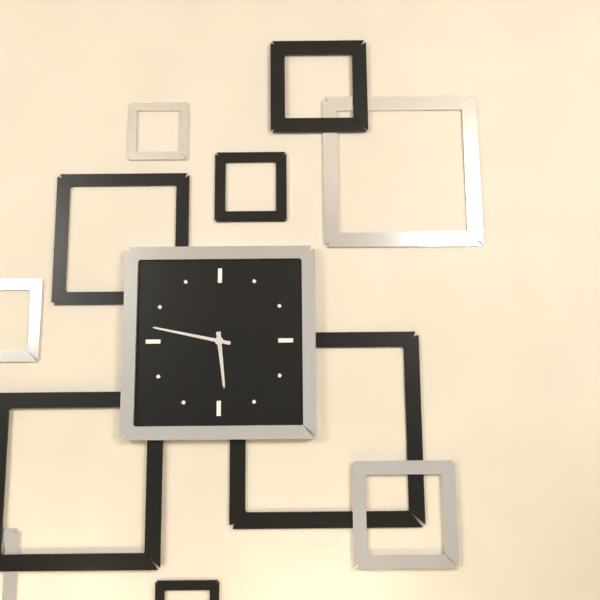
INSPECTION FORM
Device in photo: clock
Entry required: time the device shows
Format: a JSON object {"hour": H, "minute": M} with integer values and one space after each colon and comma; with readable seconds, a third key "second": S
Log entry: {"hour": 5, "minute": 47}
